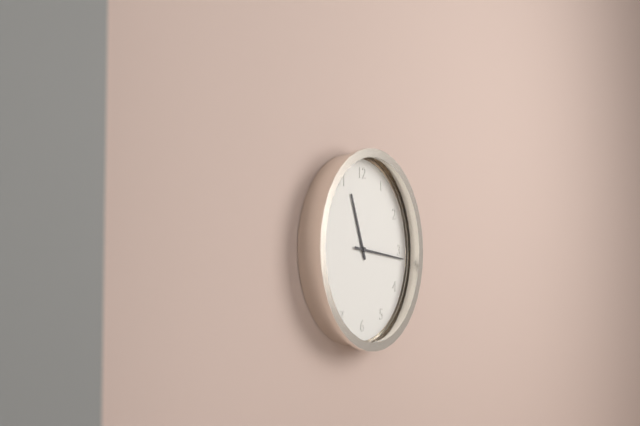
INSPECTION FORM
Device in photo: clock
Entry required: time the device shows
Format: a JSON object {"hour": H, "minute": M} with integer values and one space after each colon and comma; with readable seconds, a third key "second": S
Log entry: {"hour": 11, "minute": 16}
